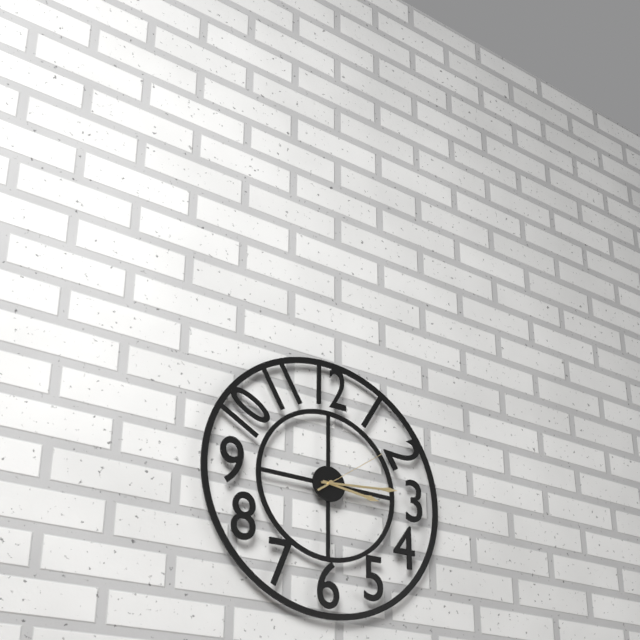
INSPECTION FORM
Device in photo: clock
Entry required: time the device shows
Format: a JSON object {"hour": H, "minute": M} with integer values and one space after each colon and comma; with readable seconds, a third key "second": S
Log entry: {"hour": 3, "minute": 14, "second": 9}
